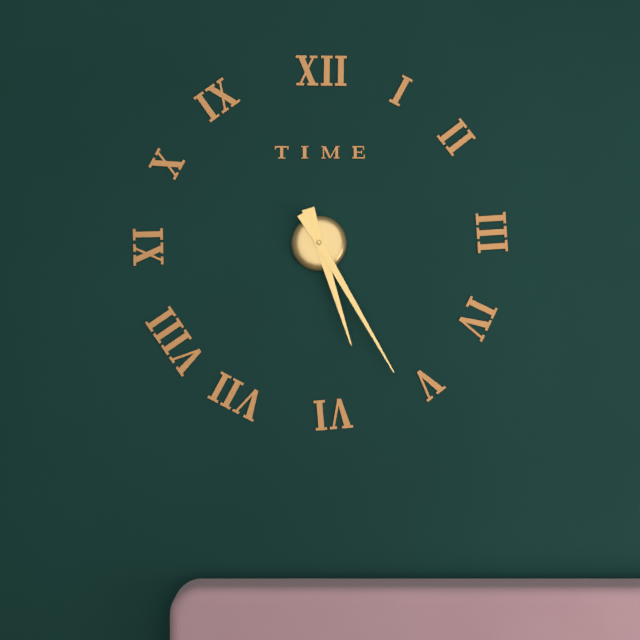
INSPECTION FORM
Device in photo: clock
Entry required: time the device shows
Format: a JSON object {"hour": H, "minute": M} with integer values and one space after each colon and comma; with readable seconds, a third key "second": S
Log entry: {"hour": 5, "minute": 25}
